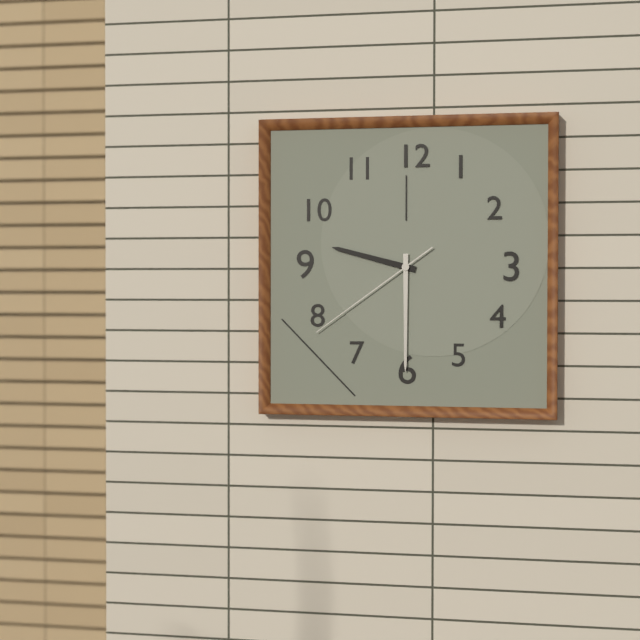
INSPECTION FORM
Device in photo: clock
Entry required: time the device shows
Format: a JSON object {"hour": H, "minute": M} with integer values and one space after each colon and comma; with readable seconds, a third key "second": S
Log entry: {"hour": 9, "minute": 30, "second": 39}
